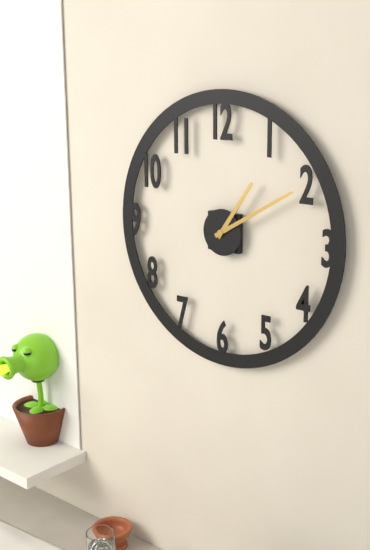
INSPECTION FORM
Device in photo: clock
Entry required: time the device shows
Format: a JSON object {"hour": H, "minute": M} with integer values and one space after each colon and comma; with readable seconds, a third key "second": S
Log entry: {"hour": 1, "minute": 10}
